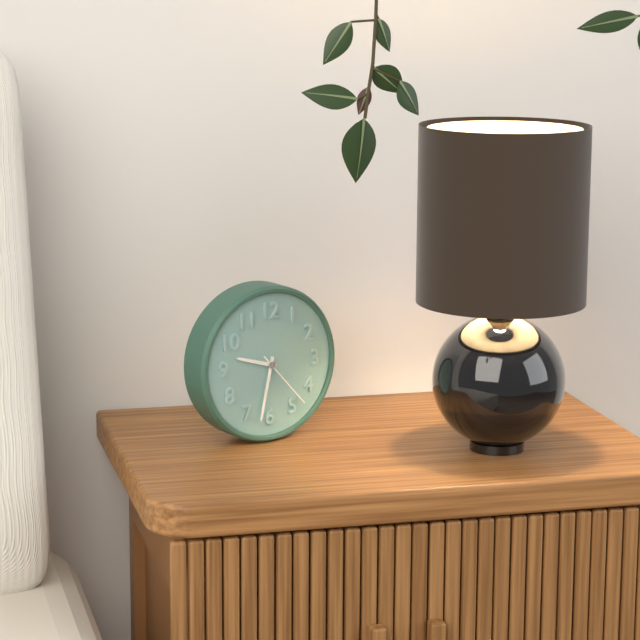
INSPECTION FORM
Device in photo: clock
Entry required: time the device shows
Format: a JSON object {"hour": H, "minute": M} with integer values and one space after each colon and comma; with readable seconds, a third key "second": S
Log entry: {"hour": 9, "minute": 32, "second": 23}
